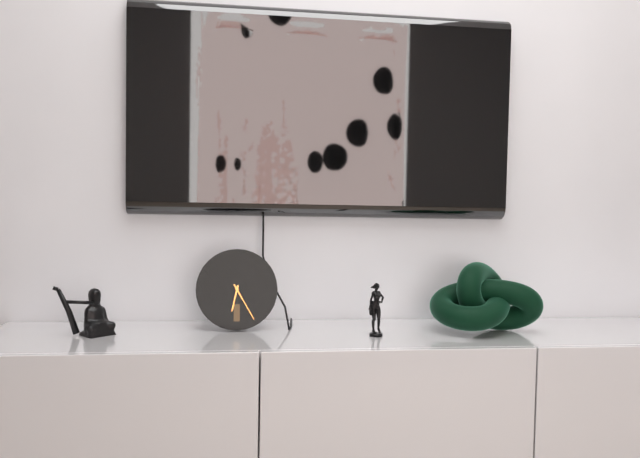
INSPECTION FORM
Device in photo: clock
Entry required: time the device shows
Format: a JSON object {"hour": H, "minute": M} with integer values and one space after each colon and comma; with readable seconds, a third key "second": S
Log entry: {"hour": 6, "minute": 25}
